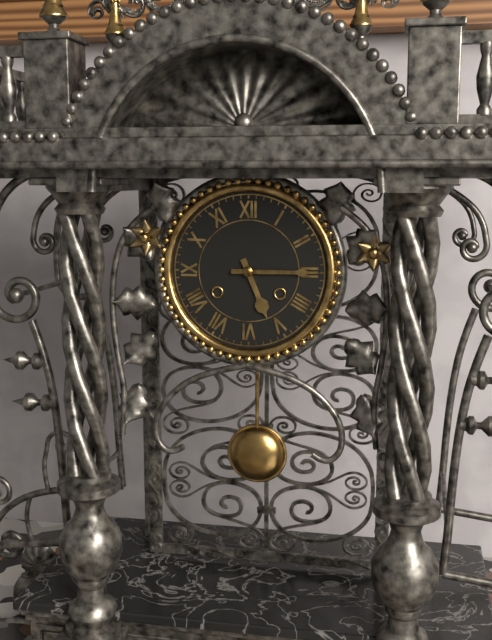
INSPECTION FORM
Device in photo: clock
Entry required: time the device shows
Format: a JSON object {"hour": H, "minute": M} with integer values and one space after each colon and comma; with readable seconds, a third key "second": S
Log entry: {"hour": 5, "minute": 15}
